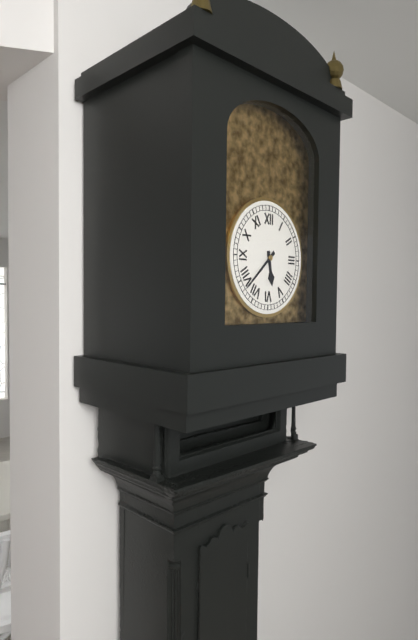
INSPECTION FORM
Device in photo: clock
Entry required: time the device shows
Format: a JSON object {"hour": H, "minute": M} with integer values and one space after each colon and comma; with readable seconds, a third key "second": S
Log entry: {"hour": 5, "minute": 38}
